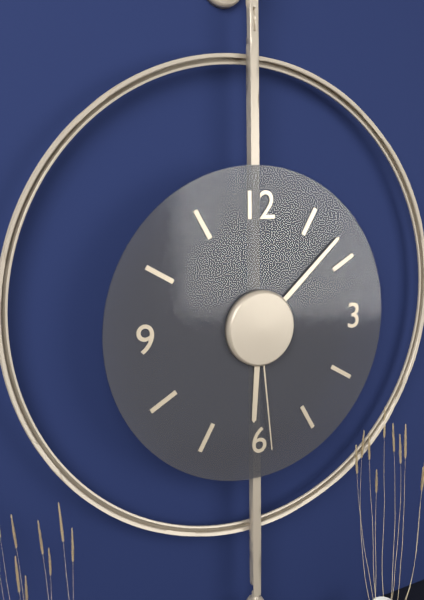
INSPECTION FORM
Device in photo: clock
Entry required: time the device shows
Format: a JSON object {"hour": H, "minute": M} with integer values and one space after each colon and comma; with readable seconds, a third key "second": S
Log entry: {"hour": 6, "minute": 8, "second": 29}
